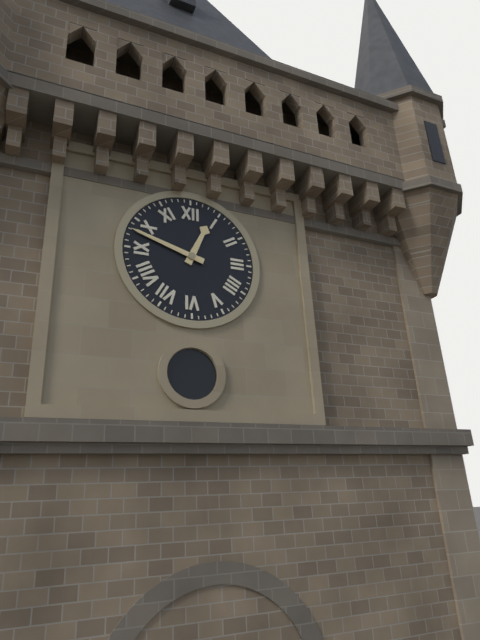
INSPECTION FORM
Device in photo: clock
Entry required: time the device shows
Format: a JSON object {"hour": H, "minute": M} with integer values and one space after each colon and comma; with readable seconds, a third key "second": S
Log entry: {"hour": 12, "minute": 48}
